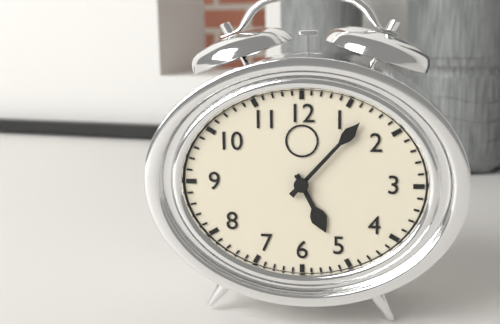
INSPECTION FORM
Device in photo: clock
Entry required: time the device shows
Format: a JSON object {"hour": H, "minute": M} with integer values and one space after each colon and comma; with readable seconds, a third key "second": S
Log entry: {"hour": 5, "minute": 7}
